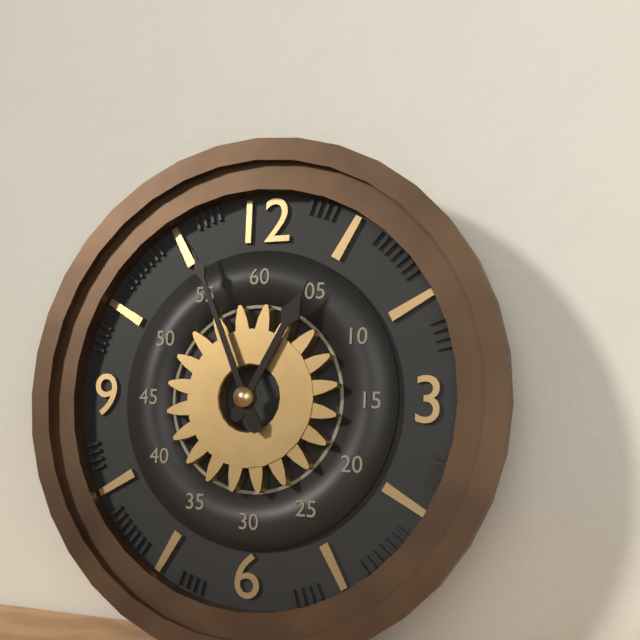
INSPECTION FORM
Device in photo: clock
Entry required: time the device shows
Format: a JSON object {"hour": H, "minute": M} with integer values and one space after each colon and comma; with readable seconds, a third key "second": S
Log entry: {"hour": 12, "minute": 56}
